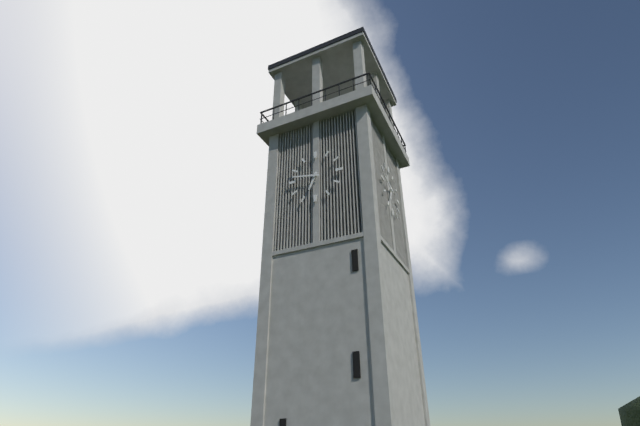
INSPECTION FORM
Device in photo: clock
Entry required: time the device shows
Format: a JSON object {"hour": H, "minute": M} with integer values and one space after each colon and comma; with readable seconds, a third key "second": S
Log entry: {"hour": 6, "minute": 47}
